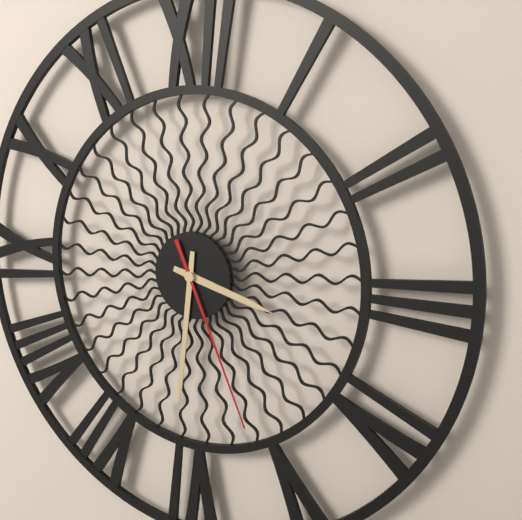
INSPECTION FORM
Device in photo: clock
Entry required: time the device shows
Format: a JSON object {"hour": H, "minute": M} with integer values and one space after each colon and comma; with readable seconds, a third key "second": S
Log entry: {"hour": 3, "minute": 31, "second": 26}
